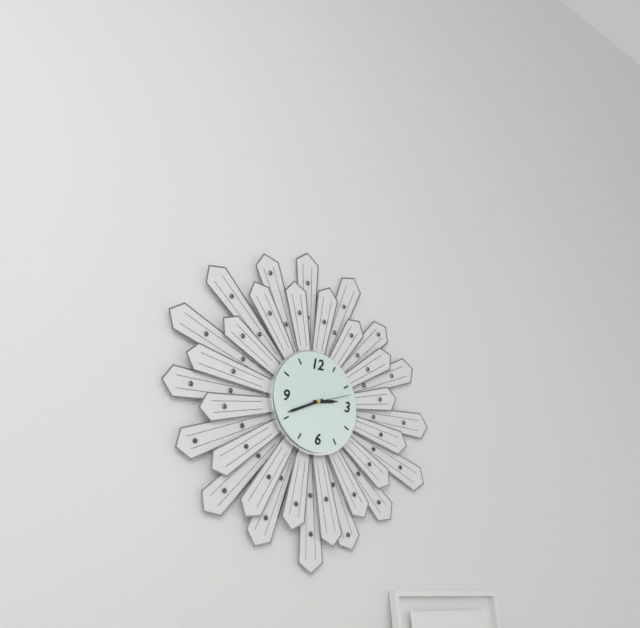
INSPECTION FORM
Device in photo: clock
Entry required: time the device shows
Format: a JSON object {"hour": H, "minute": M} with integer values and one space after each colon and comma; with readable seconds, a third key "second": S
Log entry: {"hour": 2, "minute": 41}
